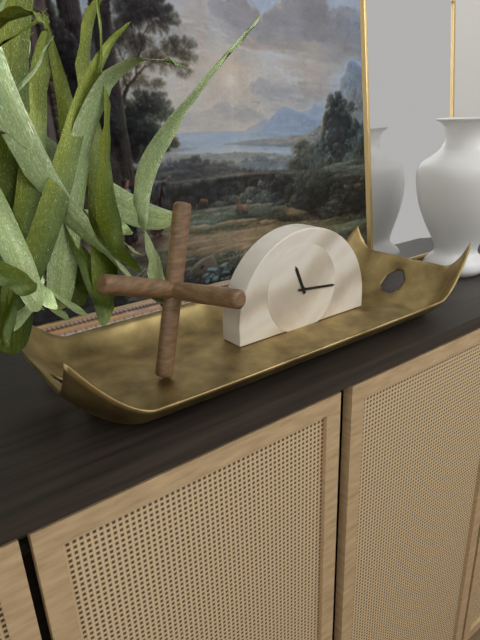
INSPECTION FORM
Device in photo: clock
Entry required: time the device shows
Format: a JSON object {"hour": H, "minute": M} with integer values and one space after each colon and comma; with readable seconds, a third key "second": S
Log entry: {"hour": 11, "minute": 16}
